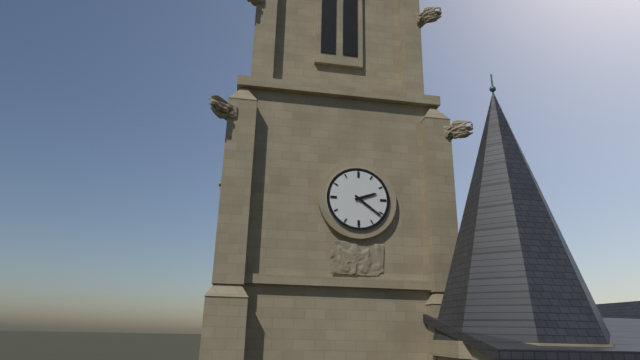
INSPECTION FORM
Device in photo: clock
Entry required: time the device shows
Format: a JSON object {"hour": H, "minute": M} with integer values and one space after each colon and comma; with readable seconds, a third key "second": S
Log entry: {"hour": 2, "minute": 21}
